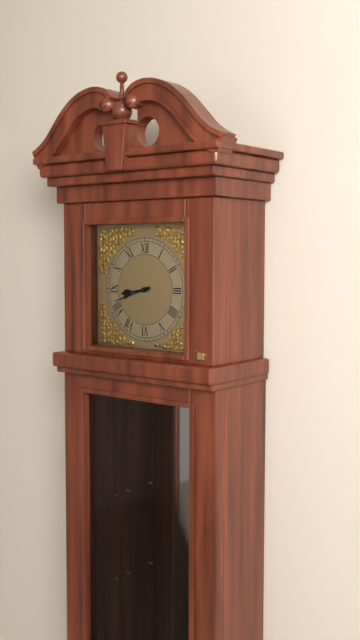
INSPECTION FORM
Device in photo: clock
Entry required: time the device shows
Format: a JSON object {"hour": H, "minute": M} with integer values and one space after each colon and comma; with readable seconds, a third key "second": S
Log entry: {"hour": 8, "minute": 42}
